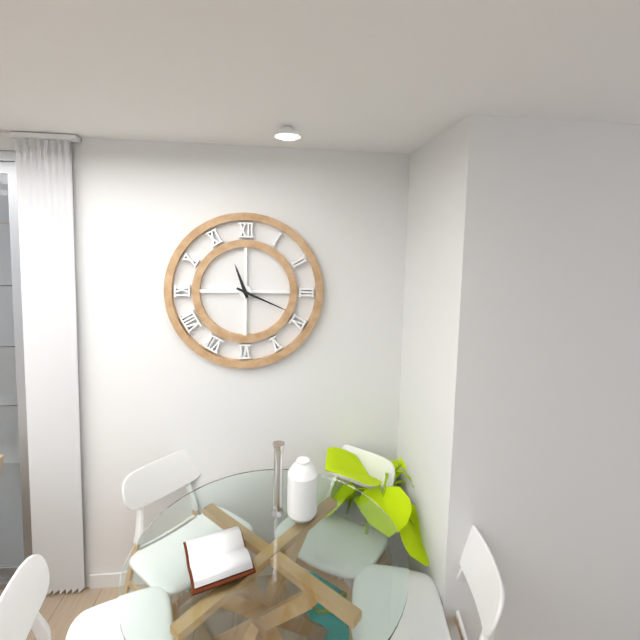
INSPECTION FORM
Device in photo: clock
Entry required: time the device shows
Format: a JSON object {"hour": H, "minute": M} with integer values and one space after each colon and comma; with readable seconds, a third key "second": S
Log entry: {"hour": 11, "minute": 19}
